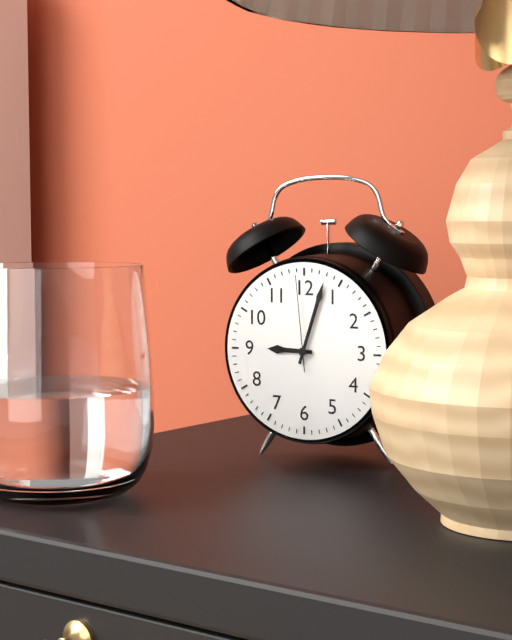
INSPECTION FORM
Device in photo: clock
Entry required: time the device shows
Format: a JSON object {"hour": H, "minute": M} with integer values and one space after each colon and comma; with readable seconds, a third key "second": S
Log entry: {"hour": 9, "minute": 3, "second": 59}
